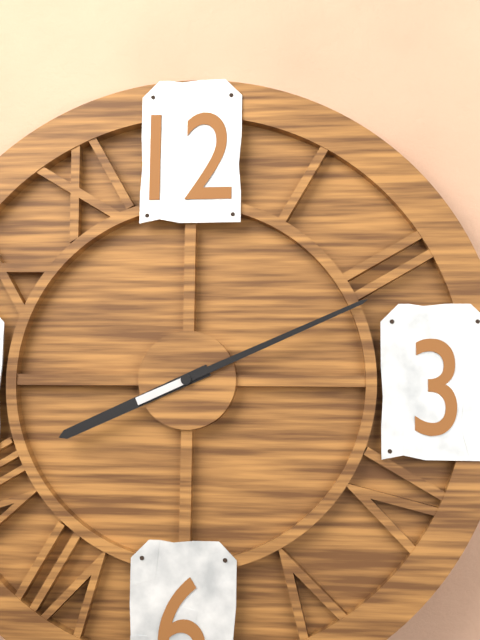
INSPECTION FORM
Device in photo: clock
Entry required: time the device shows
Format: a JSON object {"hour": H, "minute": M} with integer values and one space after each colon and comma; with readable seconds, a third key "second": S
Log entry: {"hour": 8, "minute": 11}
